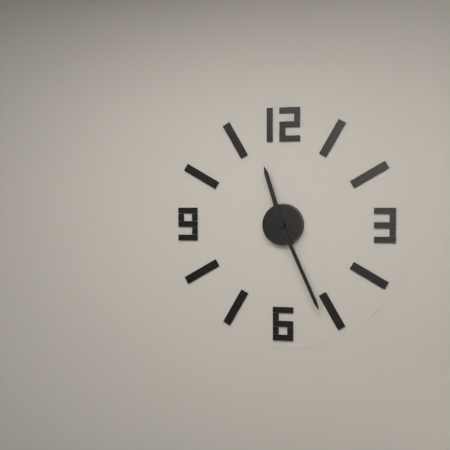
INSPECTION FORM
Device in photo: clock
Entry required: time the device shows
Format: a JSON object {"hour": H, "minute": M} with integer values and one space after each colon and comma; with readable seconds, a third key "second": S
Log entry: {"hour": 11, "minute": 26}
